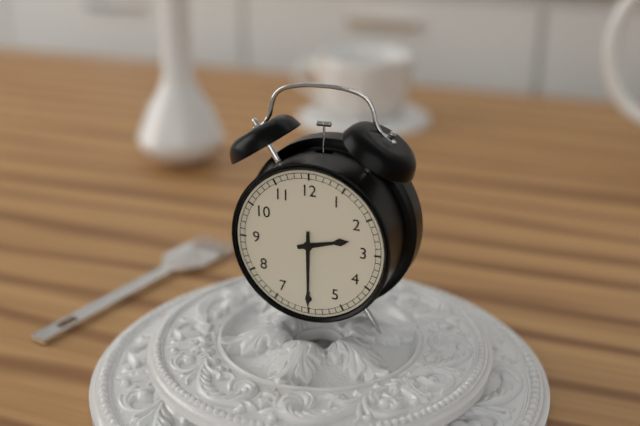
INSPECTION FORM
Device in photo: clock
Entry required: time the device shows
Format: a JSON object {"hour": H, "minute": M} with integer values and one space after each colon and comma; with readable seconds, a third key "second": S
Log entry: {"hour": 2, "minute": 30}
